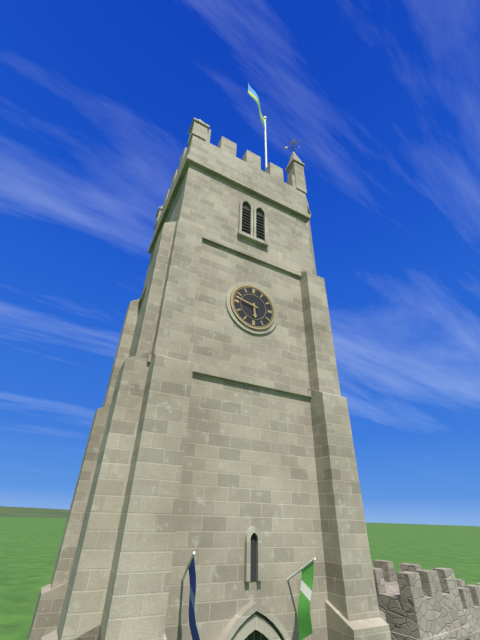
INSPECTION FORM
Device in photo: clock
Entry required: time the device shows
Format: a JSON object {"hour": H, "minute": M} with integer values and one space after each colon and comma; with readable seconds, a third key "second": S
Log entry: {"hour": 5, "minute": 47}
